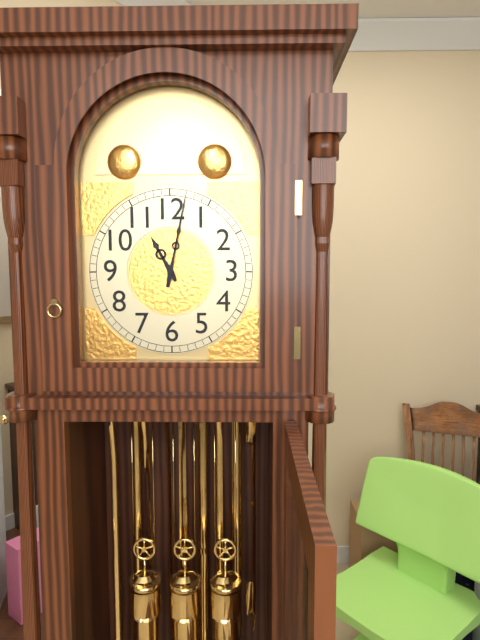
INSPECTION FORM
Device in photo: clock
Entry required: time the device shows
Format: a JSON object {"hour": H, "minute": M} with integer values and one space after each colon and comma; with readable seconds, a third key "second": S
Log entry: {"hour": 11, "minute": 2}
